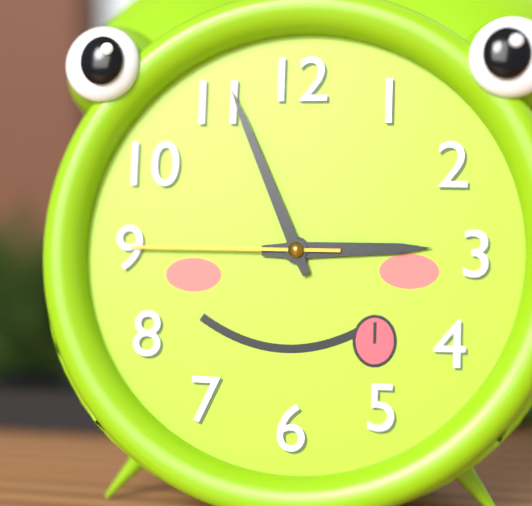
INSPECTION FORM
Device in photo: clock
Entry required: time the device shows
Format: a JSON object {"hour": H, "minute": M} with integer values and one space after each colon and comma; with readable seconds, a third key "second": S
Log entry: {"hour": 2, "minute": 56, "second": 45}
